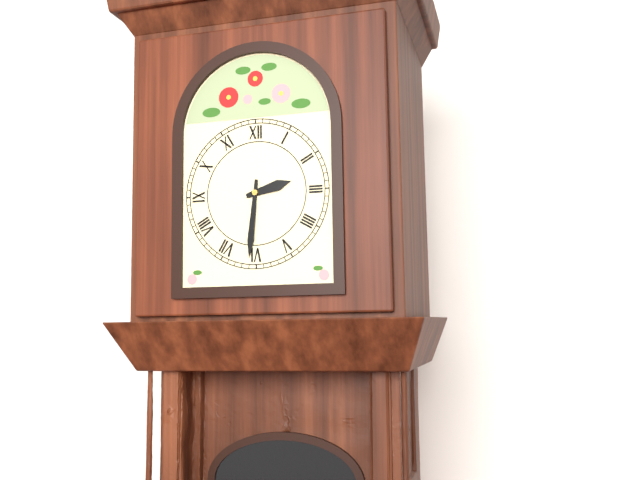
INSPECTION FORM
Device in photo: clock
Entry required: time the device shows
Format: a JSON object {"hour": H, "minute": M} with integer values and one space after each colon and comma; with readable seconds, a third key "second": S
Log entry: {"hour": 2, "minute": 31}
